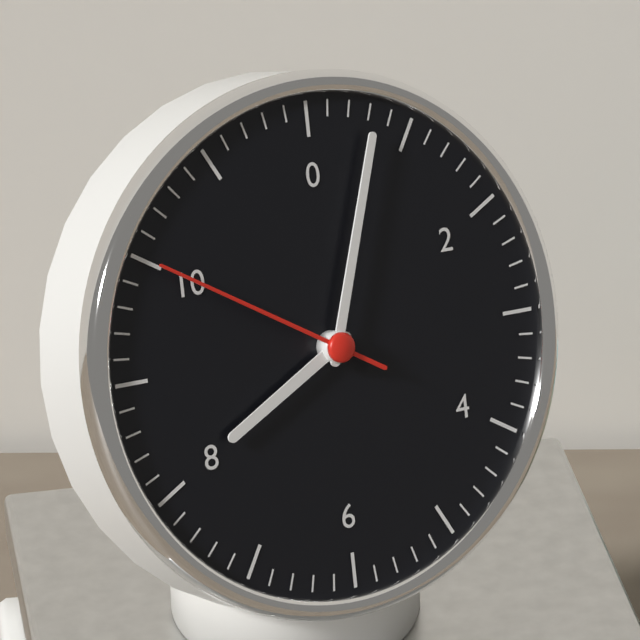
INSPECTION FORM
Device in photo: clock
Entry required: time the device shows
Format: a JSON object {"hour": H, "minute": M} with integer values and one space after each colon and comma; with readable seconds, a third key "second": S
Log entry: {"hour": 8, "minute": 3, "second": 50}
